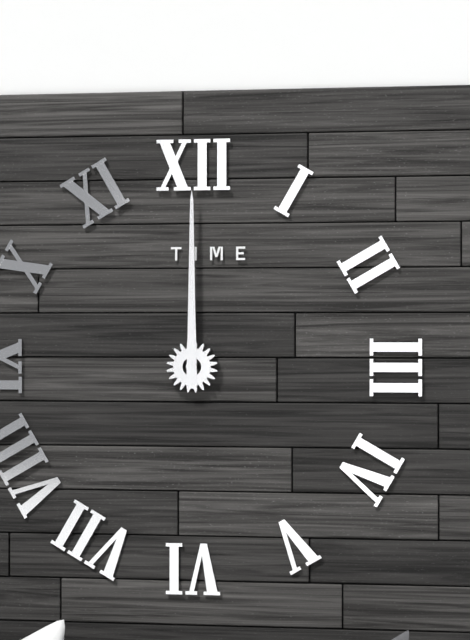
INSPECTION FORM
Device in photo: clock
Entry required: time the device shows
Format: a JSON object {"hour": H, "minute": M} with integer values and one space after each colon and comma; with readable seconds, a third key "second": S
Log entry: {"hour": 12, "minute": 0}
